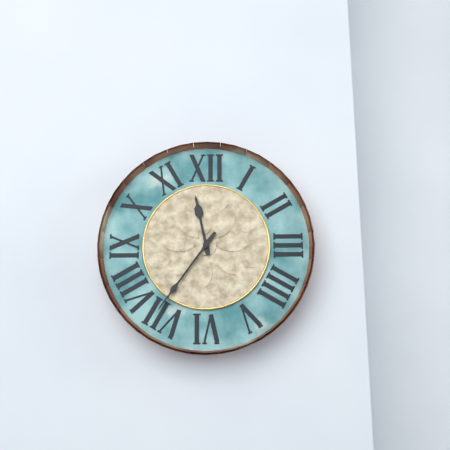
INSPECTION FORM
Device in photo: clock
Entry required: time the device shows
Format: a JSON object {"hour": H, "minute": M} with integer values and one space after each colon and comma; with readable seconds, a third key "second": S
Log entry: {"hour": 11, "minute": 36}
